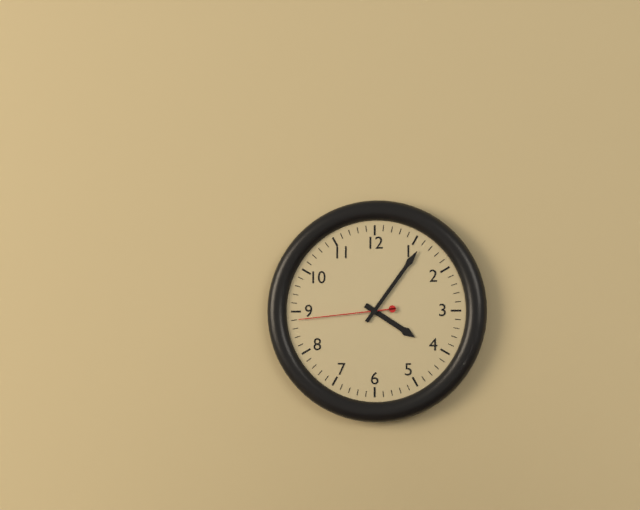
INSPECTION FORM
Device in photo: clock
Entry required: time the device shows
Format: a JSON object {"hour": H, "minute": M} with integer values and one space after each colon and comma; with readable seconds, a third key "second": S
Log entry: {"hour": 4, "minute": 6, "second": 44}
